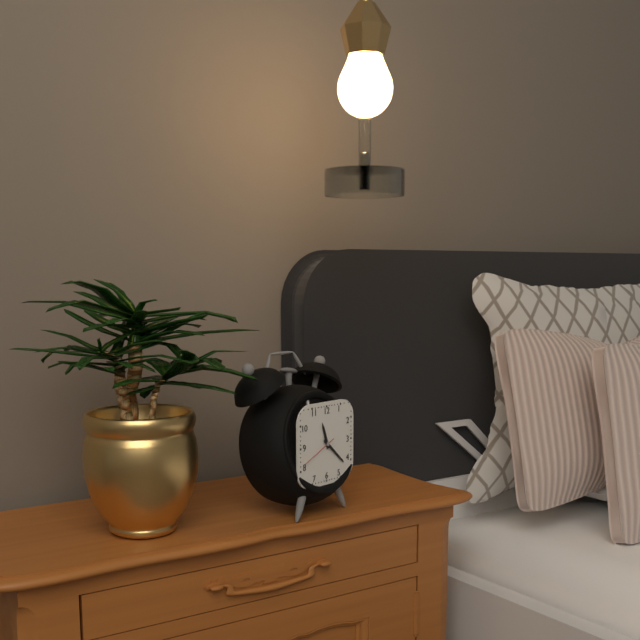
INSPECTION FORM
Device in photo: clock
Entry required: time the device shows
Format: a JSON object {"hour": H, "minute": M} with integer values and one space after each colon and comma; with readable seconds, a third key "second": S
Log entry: {"hour": 11, "minute": 22}
